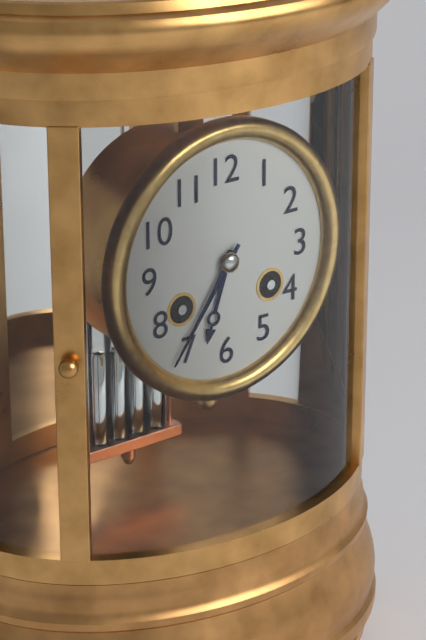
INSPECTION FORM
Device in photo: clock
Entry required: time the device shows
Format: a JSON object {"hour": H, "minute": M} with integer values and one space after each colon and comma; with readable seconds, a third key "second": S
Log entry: {"hour": 6, "minute": 36}
